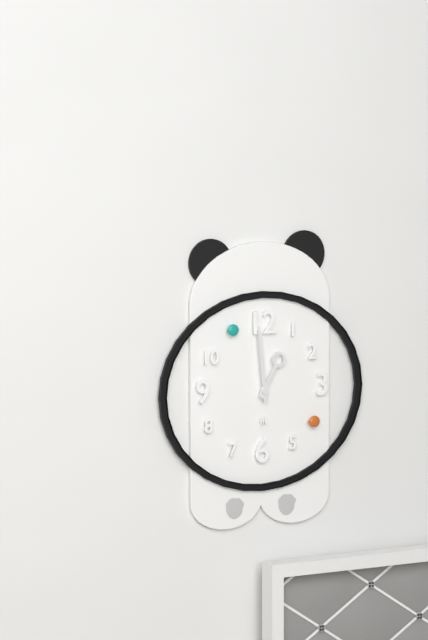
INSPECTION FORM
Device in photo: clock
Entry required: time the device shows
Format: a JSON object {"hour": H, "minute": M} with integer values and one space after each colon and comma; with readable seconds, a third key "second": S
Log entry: {"hour": 12, "minute": 59}
